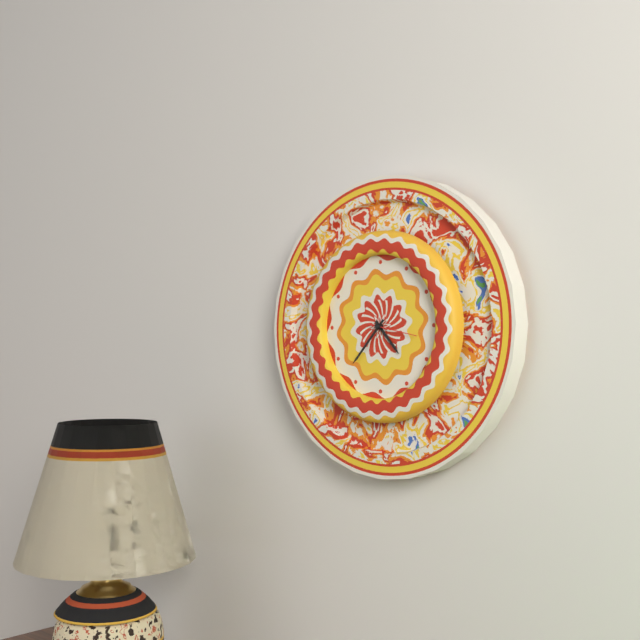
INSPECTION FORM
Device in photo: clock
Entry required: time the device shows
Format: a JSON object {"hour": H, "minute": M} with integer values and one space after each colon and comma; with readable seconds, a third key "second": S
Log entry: {"hour": 4, "minute": 37}
